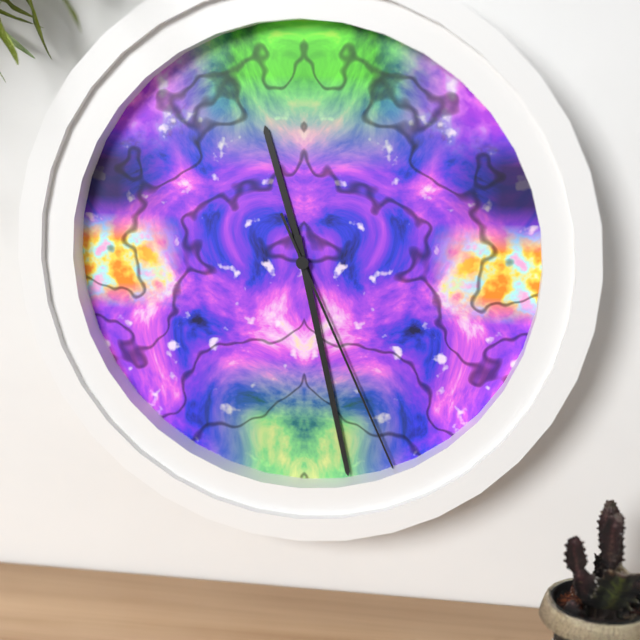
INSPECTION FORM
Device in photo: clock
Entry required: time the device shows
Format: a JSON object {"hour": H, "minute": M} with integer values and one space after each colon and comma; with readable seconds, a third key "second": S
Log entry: {"hour": 11, "minute": 28, "second": 26}
